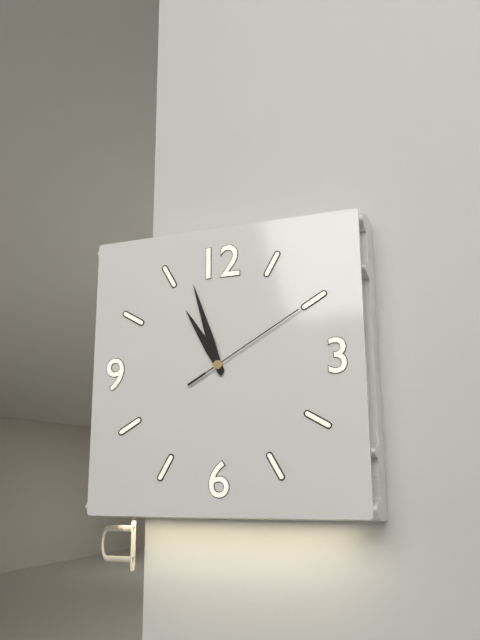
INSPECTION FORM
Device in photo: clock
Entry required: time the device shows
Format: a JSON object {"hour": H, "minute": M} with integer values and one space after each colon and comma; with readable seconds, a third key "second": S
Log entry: {"hour": 10, "minute": 57, "second": 10}
